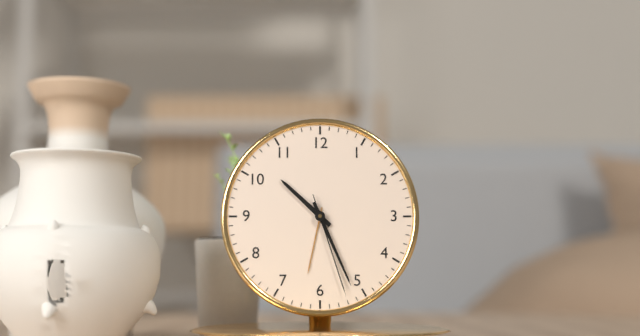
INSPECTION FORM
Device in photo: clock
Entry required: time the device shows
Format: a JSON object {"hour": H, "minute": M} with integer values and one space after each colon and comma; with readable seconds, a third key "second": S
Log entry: {"hour": 10, "minute": 26, "second": 27}
